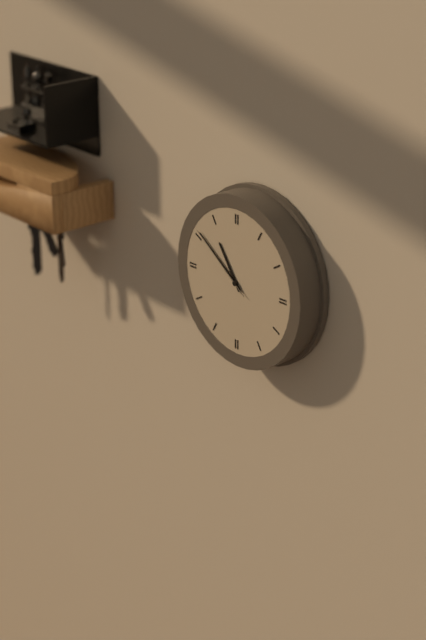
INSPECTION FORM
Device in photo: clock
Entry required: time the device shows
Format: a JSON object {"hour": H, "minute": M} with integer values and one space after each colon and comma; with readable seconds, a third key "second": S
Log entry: {"hour": 10, "minute": 51, "second": 51}
